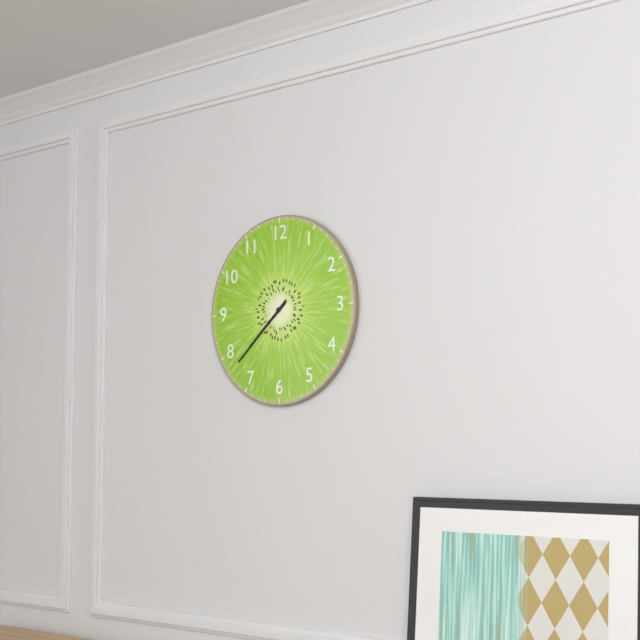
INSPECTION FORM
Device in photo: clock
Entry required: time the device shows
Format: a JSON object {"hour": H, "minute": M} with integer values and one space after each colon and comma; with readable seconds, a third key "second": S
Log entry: {"hour": 7, "minute": 38}
